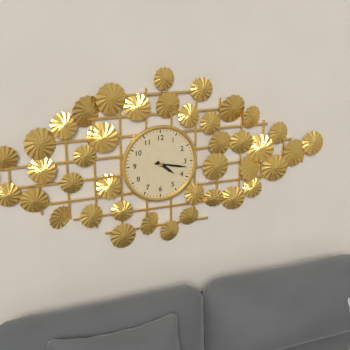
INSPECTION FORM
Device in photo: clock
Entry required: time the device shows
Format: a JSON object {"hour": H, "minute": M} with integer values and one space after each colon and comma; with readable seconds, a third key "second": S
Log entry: {"hour": 4, "minute": 17}
